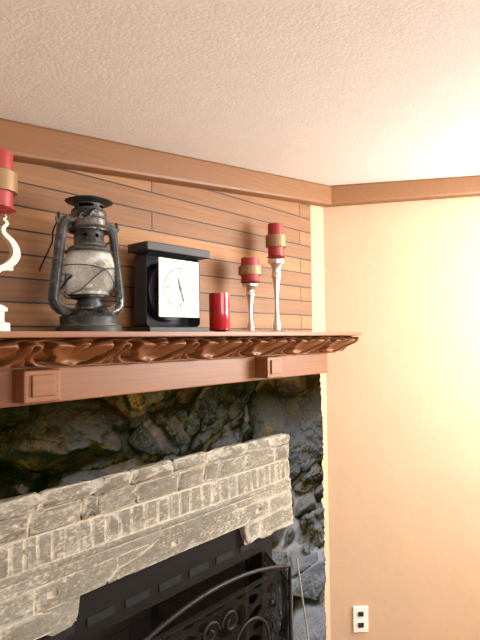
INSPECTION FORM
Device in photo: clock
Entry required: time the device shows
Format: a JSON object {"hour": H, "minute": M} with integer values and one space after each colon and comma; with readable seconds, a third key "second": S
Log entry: {"hour": 11, "minute": 27}
